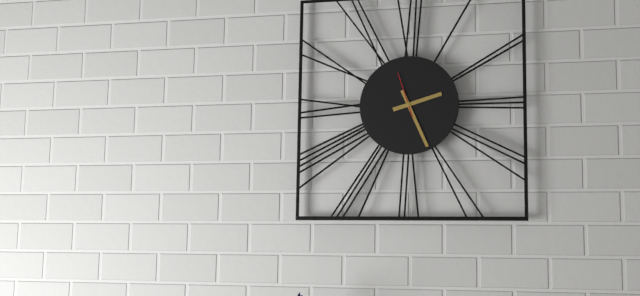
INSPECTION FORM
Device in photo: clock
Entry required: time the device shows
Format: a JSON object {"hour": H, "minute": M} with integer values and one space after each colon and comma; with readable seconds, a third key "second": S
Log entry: {"hour": 2, "minute": 26}
